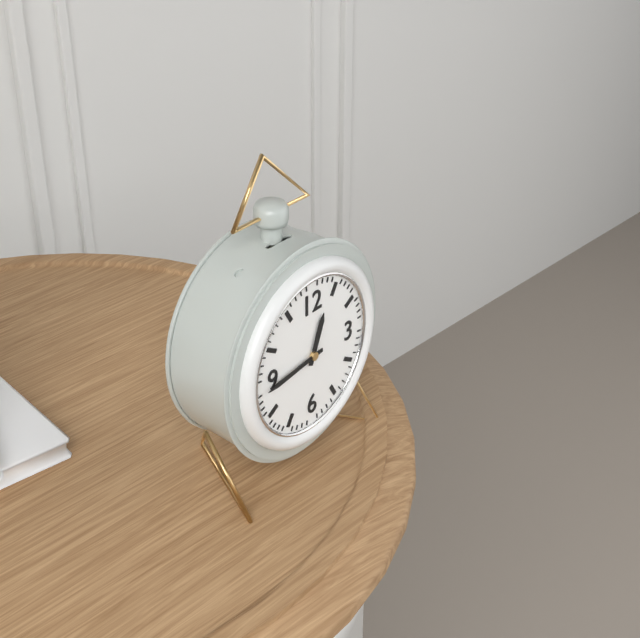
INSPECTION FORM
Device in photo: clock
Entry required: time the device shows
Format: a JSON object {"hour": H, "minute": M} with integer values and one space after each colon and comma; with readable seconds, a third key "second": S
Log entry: {"hour": 12, "minute": 44}
